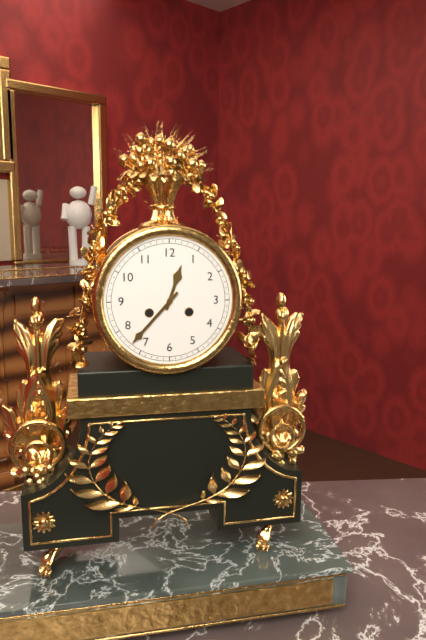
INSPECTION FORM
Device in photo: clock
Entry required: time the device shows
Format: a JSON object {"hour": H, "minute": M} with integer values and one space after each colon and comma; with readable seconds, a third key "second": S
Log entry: {"hour": 12, "minute": 37}
